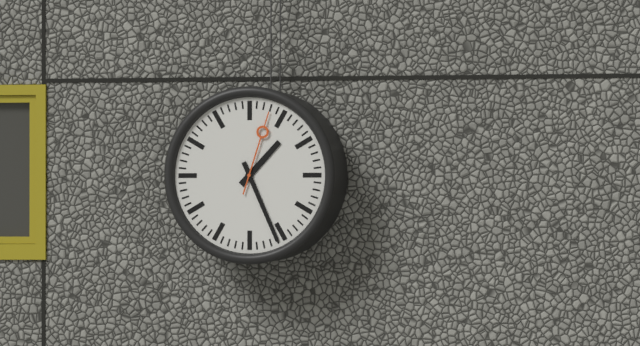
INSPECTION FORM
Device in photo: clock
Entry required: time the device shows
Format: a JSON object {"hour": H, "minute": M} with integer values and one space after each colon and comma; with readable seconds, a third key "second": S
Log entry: {"hour": 1, "minute": 26, "second": 3}
